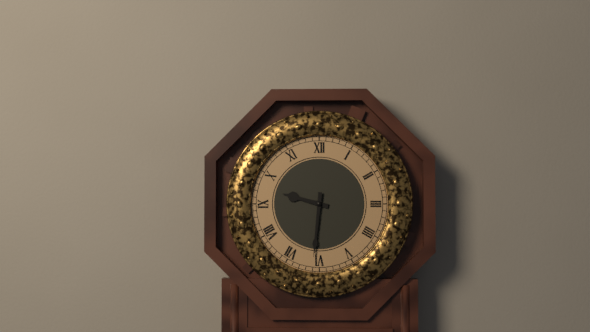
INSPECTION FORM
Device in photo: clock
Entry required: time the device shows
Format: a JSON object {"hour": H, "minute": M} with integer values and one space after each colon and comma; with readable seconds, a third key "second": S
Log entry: {"hour": 9, "minute": 31}
